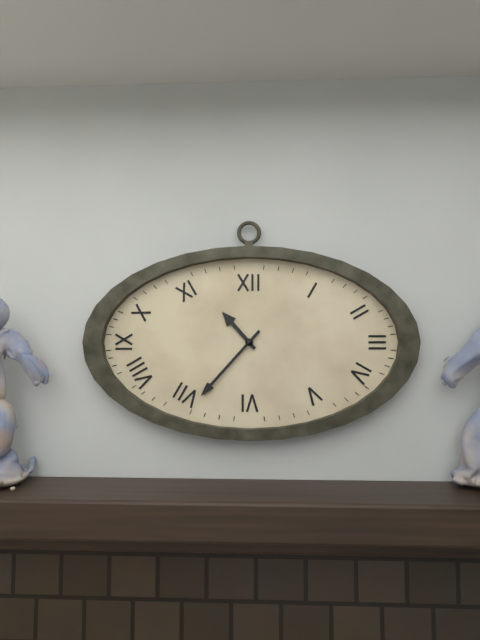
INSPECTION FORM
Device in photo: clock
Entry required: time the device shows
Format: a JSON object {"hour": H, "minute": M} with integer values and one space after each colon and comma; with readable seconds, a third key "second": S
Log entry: {"hour": 10, "minute": 37}
